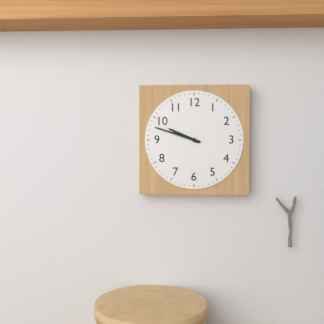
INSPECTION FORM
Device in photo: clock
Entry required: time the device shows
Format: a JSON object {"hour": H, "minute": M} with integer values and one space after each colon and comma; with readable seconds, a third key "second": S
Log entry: {"hour": 9, "minute": 48}
